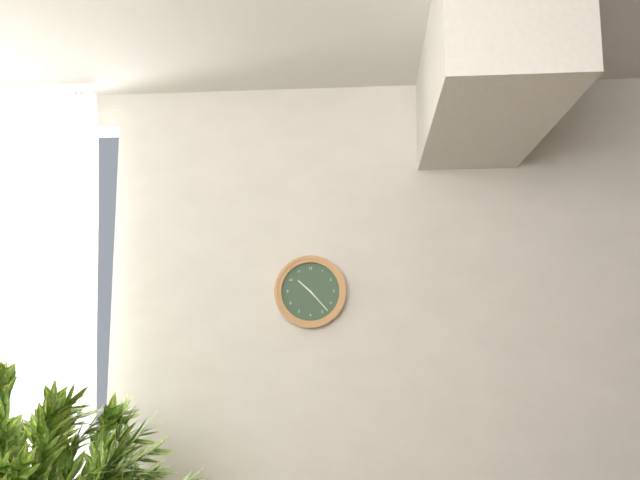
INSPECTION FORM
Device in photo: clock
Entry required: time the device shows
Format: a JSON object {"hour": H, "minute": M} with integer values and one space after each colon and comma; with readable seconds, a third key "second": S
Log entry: {"hour": 10, "minute": 23}
